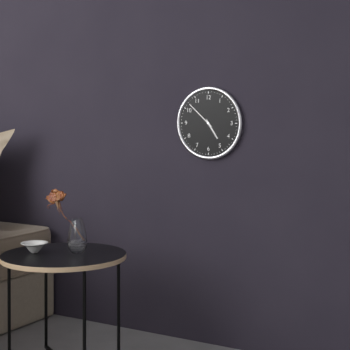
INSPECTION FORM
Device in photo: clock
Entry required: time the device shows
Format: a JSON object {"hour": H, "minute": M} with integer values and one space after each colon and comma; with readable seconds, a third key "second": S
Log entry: {"hour": 4, "minute": 52}
